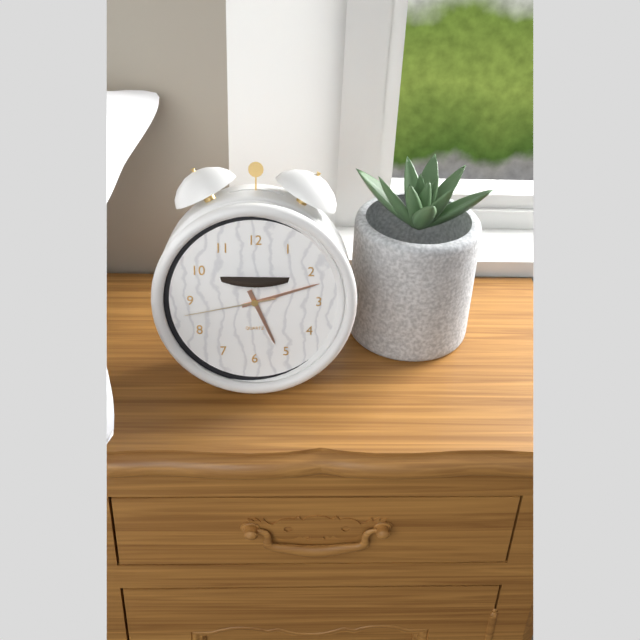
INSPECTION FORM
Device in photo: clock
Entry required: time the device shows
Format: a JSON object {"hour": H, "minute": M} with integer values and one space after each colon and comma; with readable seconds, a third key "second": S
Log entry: {"hour": 5, "minute": 12, "second": 43}
